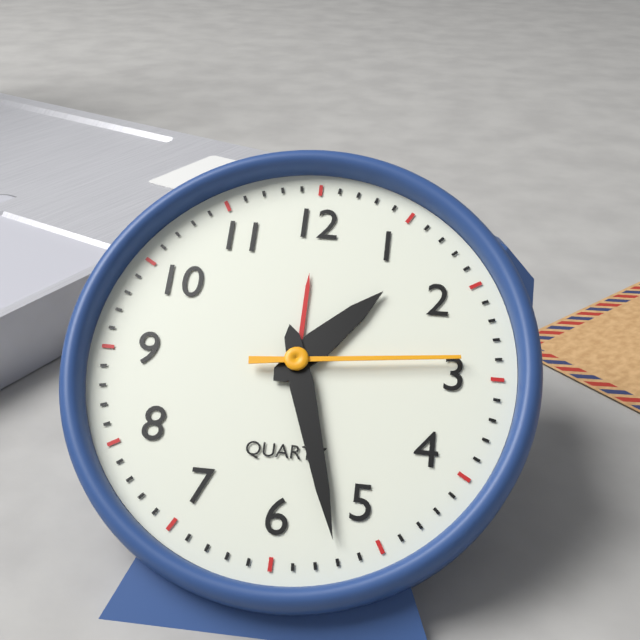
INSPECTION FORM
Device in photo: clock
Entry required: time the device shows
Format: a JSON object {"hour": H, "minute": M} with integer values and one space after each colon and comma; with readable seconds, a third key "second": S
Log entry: {"hour": 1, "minute": 27, "second": 14}
